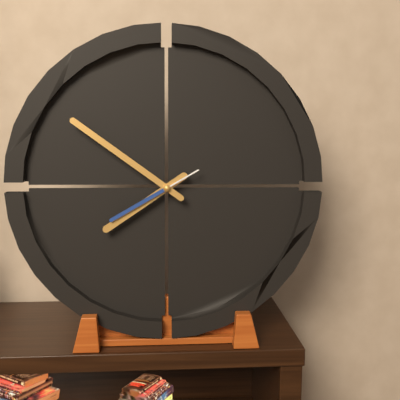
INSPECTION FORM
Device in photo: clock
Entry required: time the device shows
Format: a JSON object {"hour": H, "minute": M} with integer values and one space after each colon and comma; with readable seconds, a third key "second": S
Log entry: {"hour": 7, "minute": 51, "second": 40}
